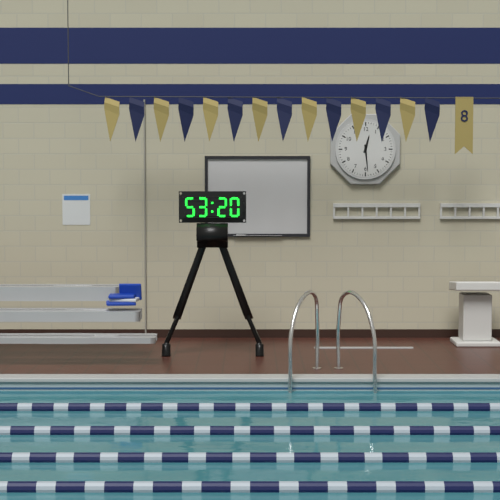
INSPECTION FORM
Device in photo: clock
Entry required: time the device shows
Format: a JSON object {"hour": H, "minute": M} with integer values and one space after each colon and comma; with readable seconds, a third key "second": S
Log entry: {"hour": 12, "minute": 29}
